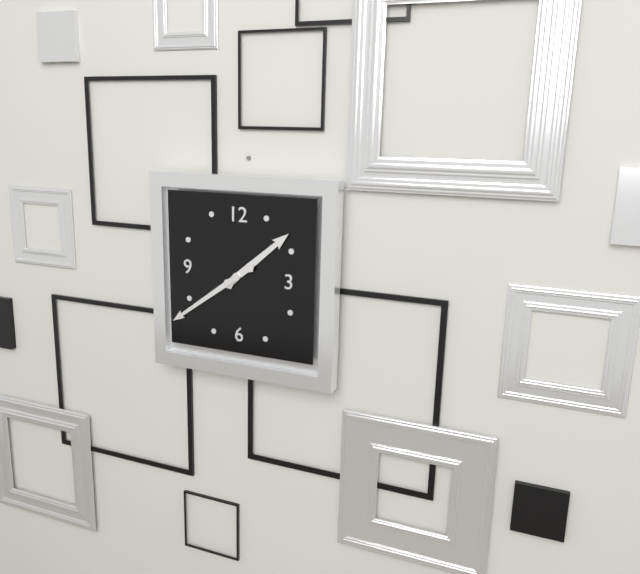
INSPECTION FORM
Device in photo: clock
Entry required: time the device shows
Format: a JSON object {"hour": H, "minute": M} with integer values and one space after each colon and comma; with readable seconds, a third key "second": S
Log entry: {"hour": 1, "minute": 39}
